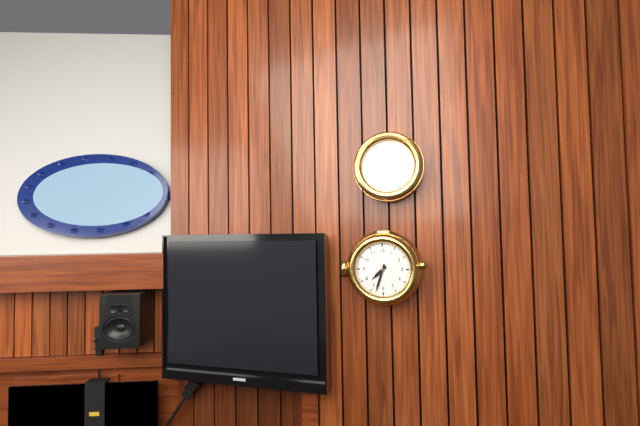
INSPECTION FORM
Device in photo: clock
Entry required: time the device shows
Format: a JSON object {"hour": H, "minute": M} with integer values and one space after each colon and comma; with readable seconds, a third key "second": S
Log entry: {"hour": 7, "minute": 33}
